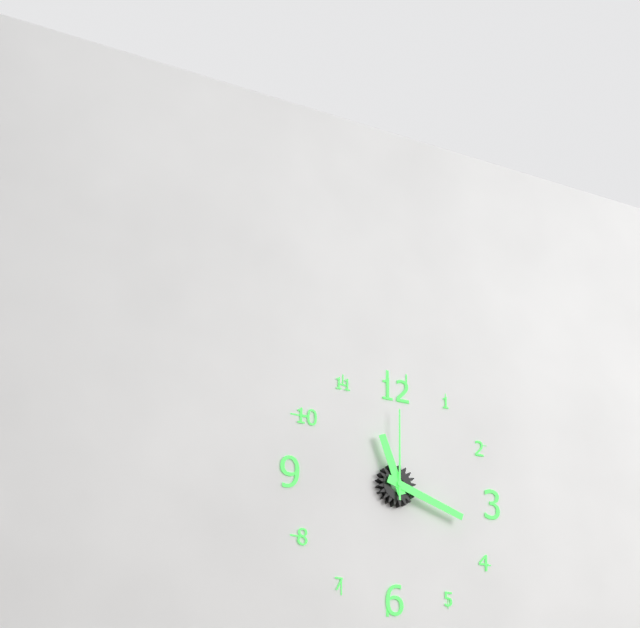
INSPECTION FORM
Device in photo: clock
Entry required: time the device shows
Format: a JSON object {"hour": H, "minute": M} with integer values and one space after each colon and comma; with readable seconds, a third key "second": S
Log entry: {"hour": 11, "minute": 18, "second": 0}
